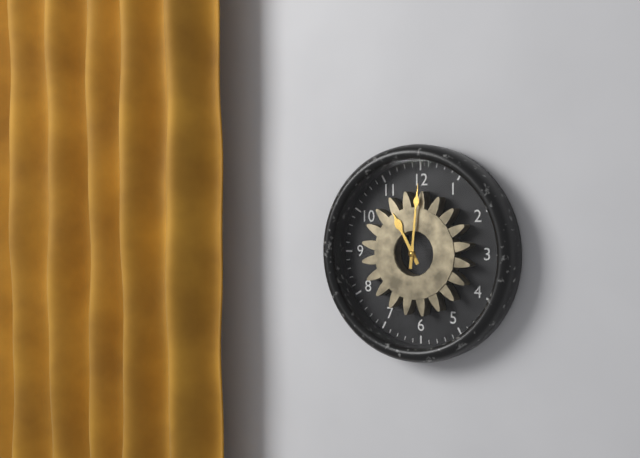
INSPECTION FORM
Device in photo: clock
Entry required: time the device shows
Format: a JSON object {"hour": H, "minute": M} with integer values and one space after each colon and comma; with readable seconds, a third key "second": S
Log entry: {"hour": 11, "minute": 1}
